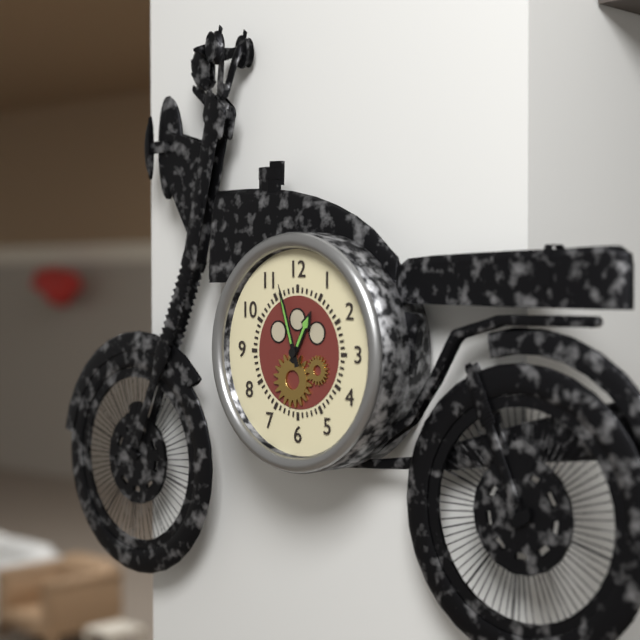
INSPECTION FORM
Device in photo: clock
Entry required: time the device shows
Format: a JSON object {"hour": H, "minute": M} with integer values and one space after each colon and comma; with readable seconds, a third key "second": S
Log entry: {"hour": 12, "minute": 57}
